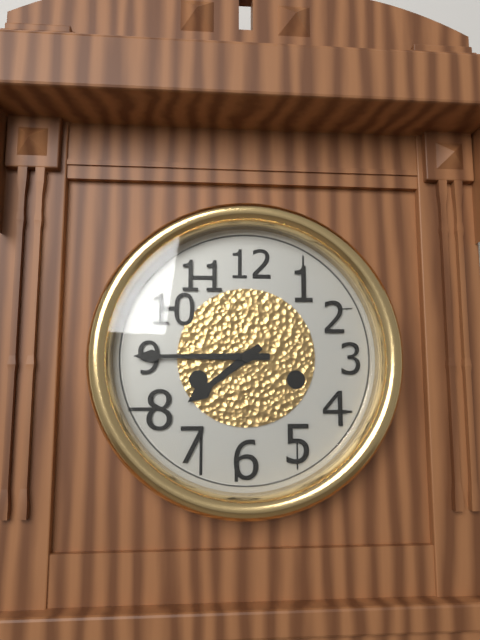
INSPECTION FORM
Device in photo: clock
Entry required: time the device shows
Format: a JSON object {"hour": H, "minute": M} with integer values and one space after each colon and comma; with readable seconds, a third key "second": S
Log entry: {"hour": 7, "minute": 45}
